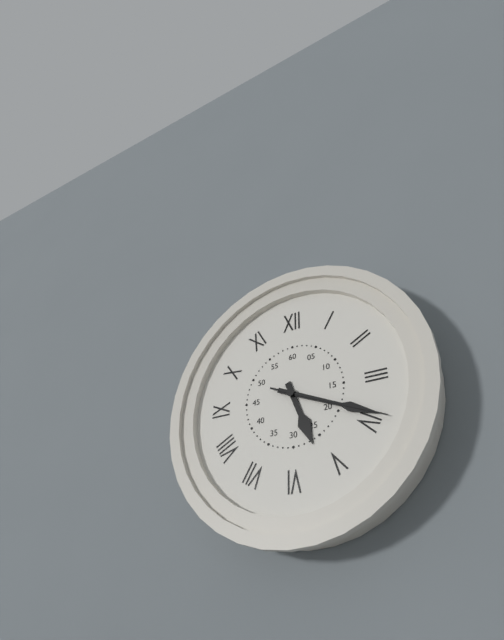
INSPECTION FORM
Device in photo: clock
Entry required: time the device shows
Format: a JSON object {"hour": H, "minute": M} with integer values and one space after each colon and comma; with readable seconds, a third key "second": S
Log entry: {"hour": 5, "minute": 19, "second": 19}
